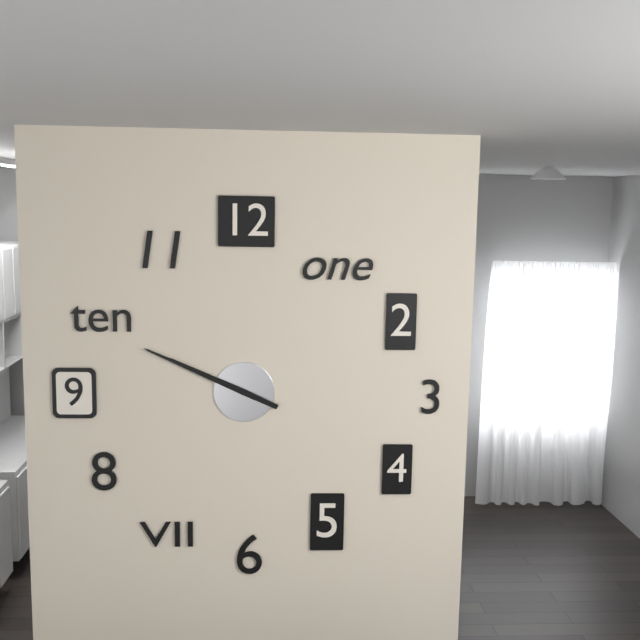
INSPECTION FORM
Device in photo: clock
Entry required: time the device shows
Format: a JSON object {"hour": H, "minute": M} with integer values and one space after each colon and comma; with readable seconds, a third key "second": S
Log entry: {"hour": 9, "minute": 49}
